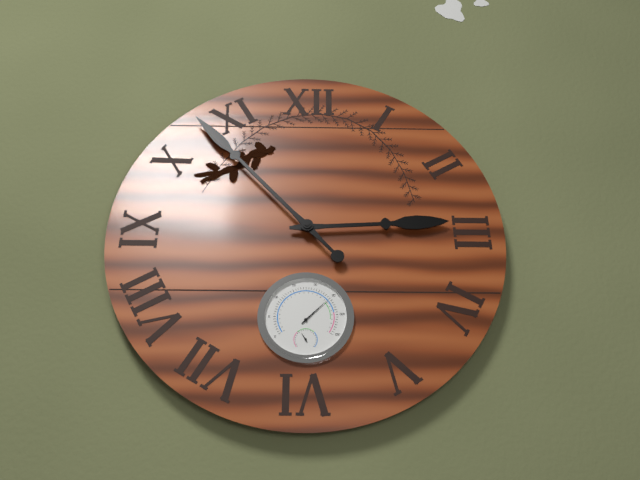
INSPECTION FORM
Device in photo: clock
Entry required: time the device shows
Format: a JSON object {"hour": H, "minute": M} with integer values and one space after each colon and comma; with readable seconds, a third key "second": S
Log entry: {"hour": 2, "minute": 53}
